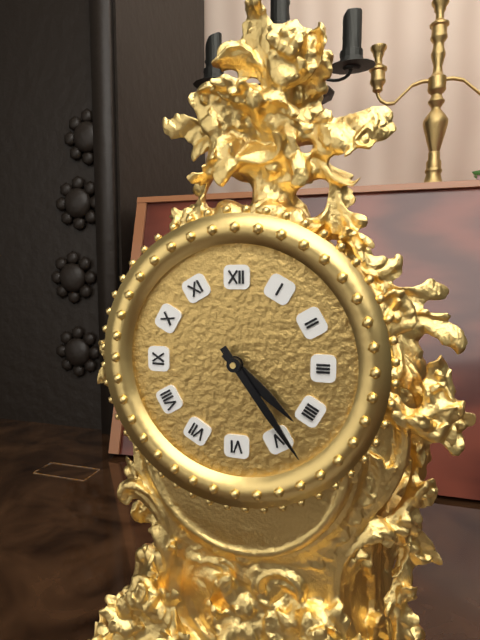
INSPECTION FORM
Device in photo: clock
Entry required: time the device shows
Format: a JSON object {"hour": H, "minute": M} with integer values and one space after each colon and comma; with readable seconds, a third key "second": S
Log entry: {"hour": 4, "minute": 24}
